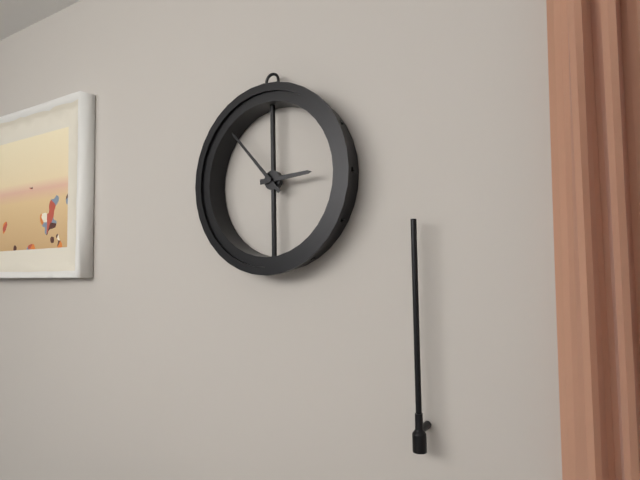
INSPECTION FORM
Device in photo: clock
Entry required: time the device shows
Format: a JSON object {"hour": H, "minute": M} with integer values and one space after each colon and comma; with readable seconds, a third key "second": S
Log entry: {"hour": 2, "minute": 53}
